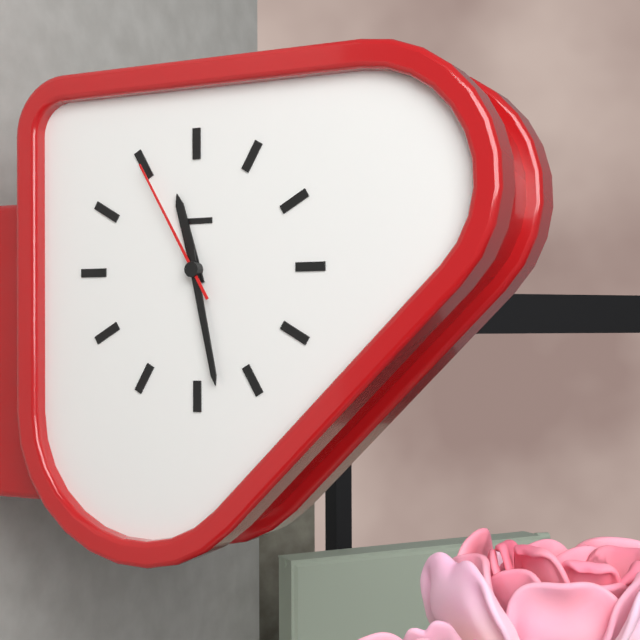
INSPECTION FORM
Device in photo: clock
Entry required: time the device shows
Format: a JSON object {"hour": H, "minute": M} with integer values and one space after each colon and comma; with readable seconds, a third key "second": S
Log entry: {"hour": 11, "minute": 28, "second": 55}
